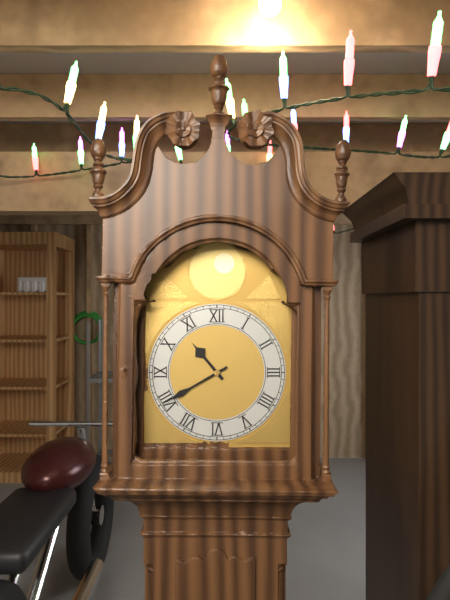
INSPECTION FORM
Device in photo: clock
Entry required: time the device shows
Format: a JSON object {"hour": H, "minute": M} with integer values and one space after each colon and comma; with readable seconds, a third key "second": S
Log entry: {"hour": 10, "minute": 40}
